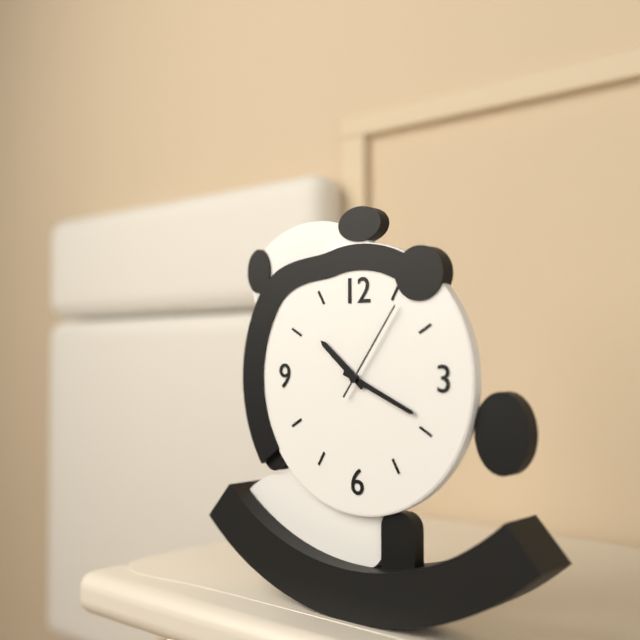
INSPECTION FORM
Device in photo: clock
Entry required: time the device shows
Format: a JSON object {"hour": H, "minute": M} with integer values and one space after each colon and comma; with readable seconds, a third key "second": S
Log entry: {"hour": 10, "minute": 19, "second": 6}
